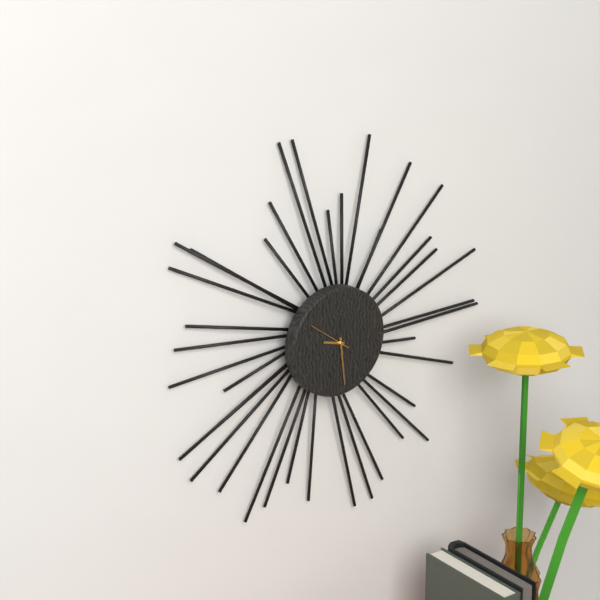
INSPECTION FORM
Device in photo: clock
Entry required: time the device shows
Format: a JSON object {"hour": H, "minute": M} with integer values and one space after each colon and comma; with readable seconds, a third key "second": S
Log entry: {"hour": 9, "minute": 29}
